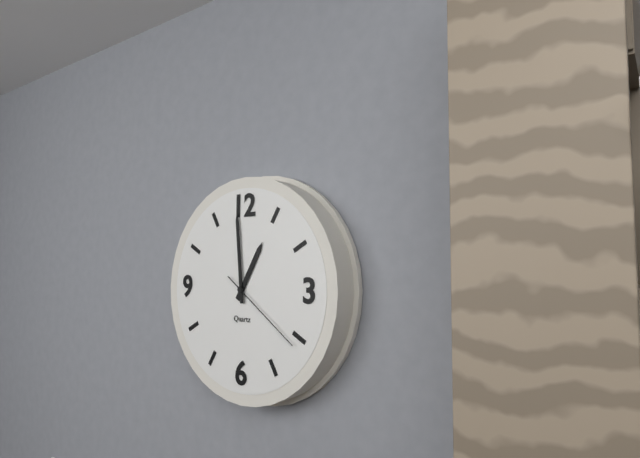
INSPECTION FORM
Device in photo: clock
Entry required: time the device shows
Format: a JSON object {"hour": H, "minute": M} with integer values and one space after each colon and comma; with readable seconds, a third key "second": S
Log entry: {"hour": 12, "minute": 59, "second": 21}
